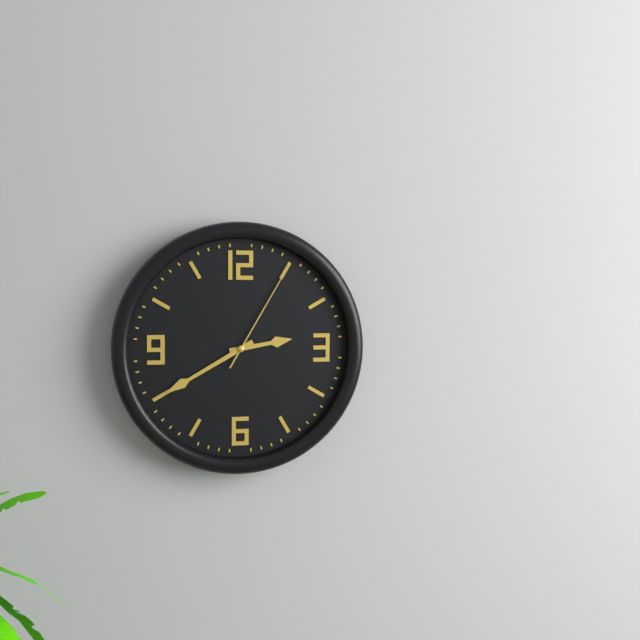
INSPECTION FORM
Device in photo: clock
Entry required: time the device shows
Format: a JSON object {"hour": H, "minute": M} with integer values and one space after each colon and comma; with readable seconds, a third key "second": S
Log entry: {"hour": 2, "minute": 40, "second": 5}
